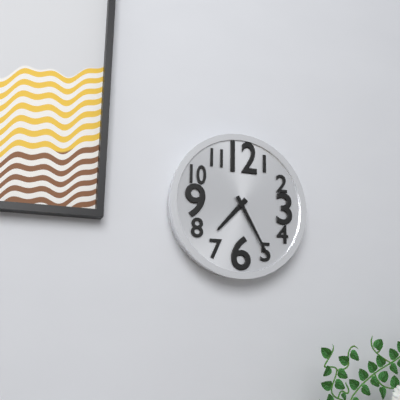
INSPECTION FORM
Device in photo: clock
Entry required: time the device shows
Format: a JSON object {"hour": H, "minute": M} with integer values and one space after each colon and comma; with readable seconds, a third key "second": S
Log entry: {"hour": 7, "minute": 25}
